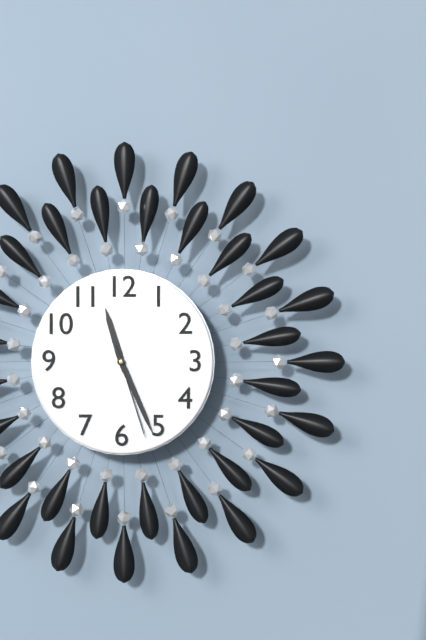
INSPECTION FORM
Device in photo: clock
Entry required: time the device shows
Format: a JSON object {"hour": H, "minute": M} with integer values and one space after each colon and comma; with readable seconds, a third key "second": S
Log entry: {"hour": 11, "minute": 26, "second": 27}
